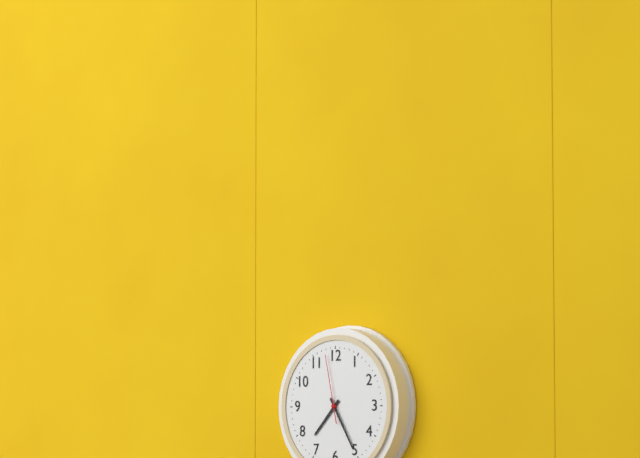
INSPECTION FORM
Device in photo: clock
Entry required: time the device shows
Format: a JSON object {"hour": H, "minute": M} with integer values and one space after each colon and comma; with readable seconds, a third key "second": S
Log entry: {"hour": 7, "minute": 25, "second": 58}
